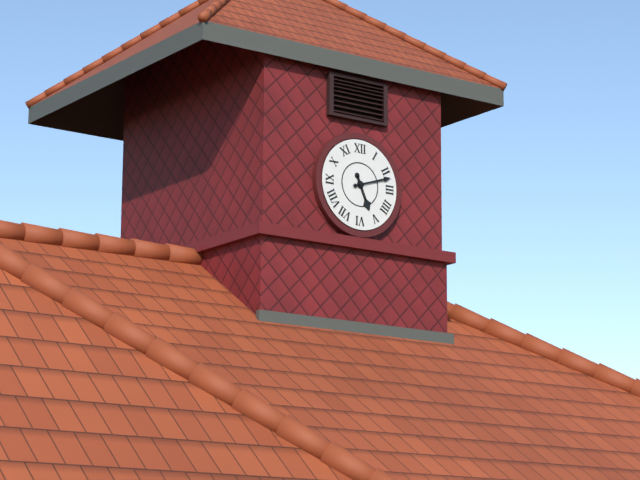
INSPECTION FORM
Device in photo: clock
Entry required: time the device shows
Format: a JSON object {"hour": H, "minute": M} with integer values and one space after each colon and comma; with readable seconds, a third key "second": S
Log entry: {"hour": 5, "minute": 12}
